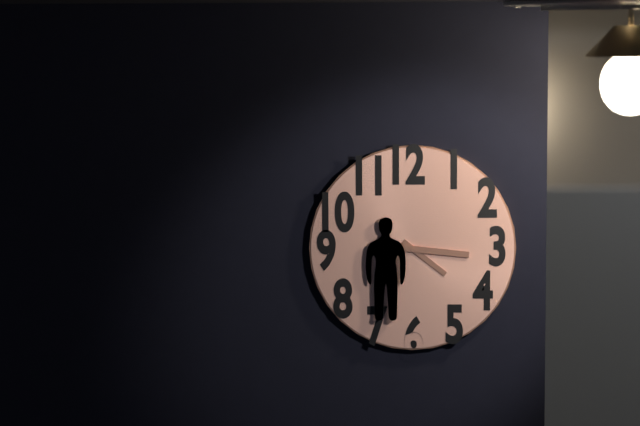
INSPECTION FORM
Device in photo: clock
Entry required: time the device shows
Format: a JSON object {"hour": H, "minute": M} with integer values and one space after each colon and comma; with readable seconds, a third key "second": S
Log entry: {"hour": 4, "minute": 16}
